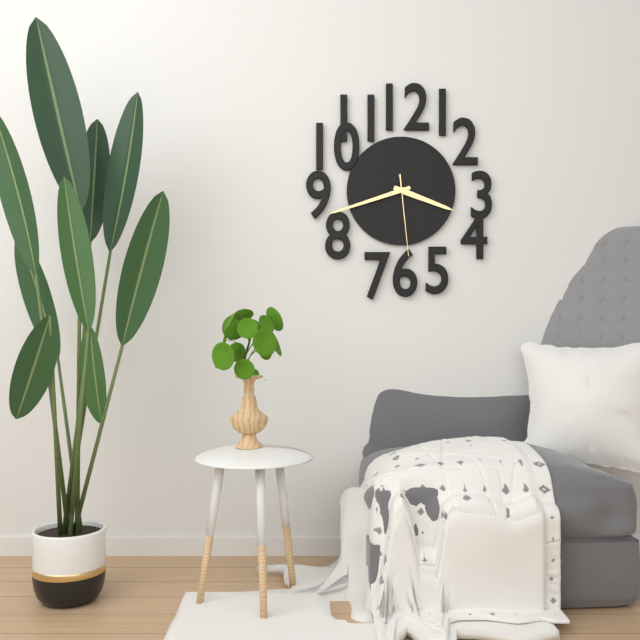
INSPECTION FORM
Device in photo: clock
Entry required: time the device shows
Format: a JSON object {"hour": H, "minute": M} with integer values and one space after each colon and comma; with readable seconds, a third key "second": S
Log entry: {"hour": 3, "minute": 42, "second": 29}
